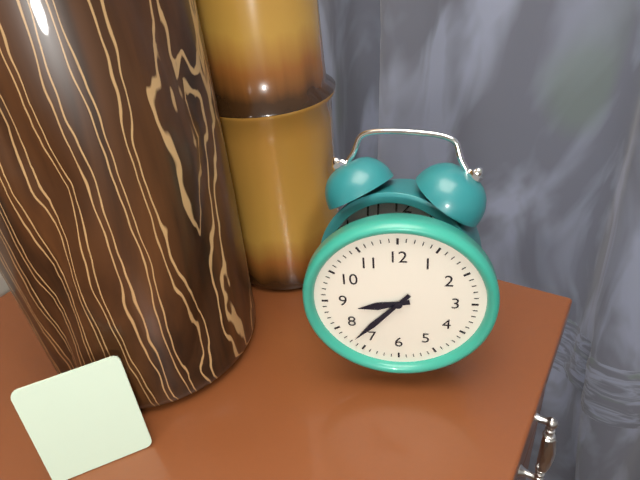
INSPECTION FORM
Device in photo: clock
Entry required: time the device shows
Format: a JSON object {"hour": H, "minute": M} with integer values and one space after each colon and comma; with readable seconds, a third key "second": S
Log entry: {"hour": 8, "minute": 37}
